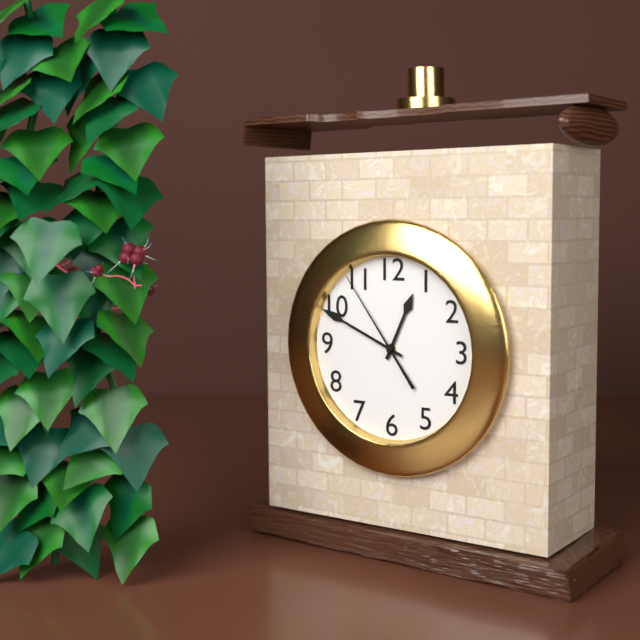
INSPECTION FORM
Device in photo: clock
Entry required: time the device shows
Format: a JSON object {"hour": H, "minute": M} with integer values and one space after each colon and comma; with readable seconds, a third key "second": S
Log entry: {"hour": 12, "minute": 49, "second": 54}
